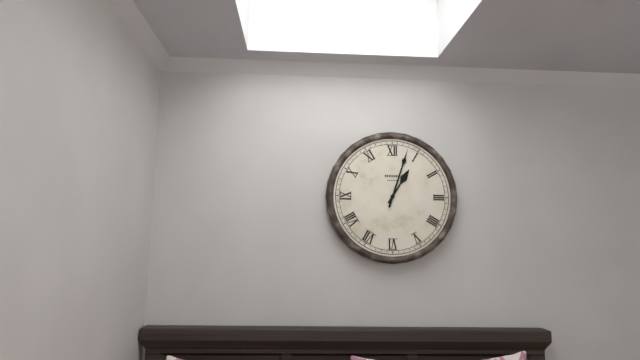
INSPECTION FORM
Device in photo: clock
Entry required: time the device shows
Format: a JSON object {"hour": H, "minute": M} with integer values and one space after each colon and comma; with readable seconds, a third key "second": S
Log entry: {"hour": 1, "minute": 3}
